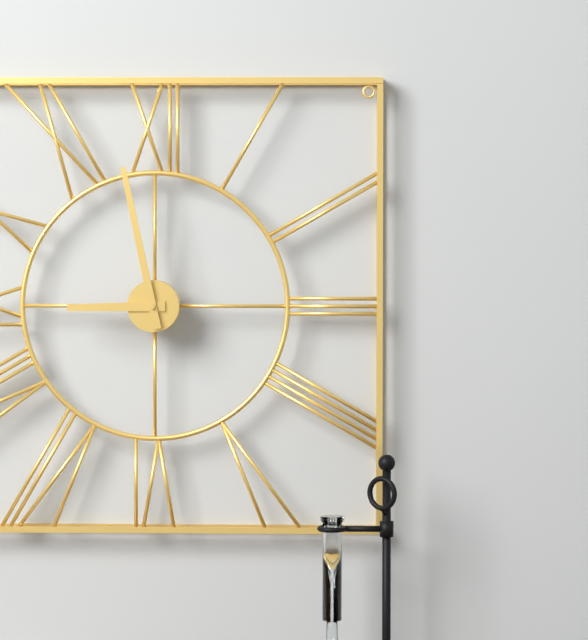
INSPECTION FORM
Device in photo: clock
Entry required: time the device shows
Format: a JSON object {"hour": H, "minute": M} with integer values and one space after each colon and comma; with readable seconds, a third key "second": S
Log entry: {"hour": 8, "minute": 58}
